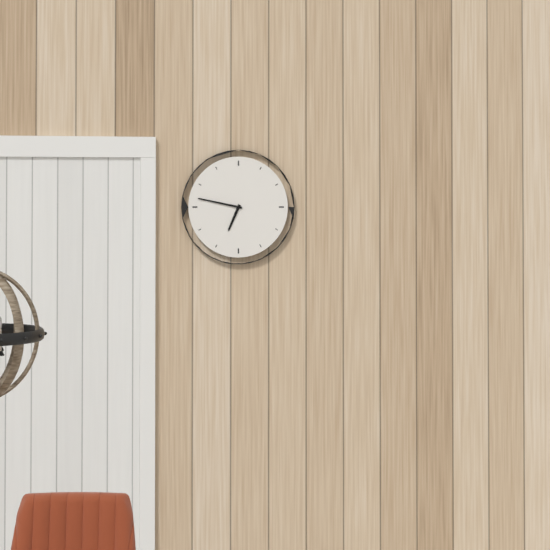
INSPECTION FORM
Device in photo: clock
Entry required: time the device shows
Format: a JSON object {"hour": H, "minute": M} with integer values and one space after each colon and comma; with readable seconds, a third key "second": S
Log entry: {"hour": 6, "minute": 47}
